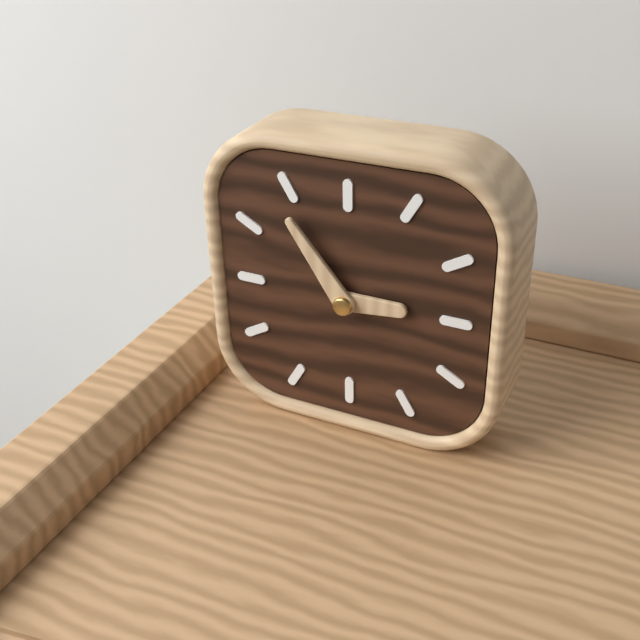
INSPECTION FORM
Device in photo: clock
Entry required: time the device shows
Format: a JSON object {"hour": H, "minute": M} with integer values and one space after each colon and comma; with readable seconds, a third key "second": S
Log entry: {"hour": 2, "minute": 54}
